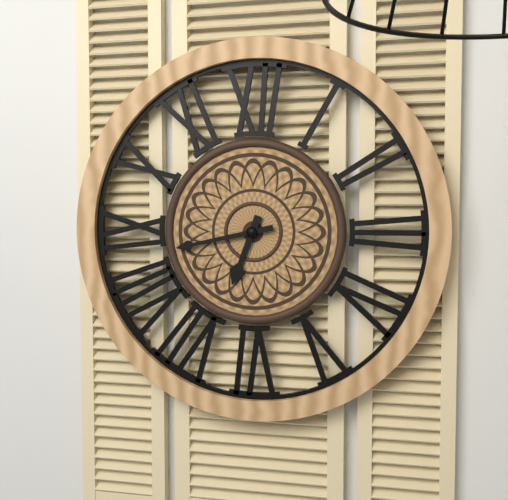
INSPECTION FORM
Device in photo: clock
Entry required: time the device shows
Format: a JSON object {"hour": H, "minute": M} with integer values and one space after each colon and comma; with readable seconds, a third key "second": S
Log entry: {"hour": 6, "minute": 43}
